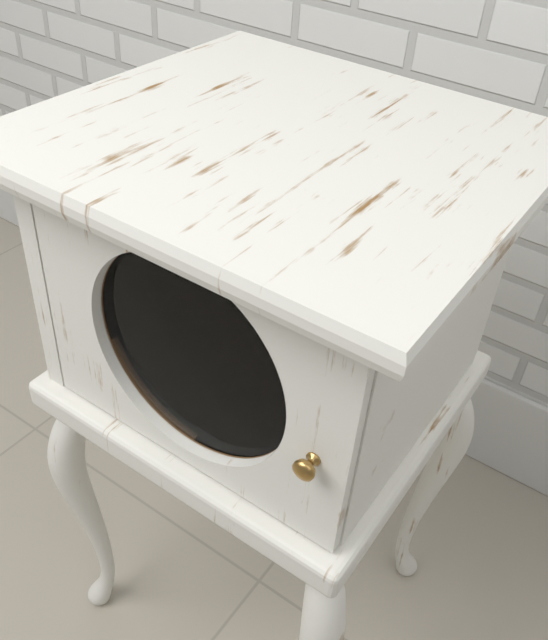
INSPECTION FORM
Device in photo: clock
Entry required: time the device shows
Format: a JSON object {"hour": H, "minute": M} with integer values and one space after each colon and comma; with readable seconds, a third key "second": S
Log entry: {"hour": 5, "minute": 31, "second": 35}
